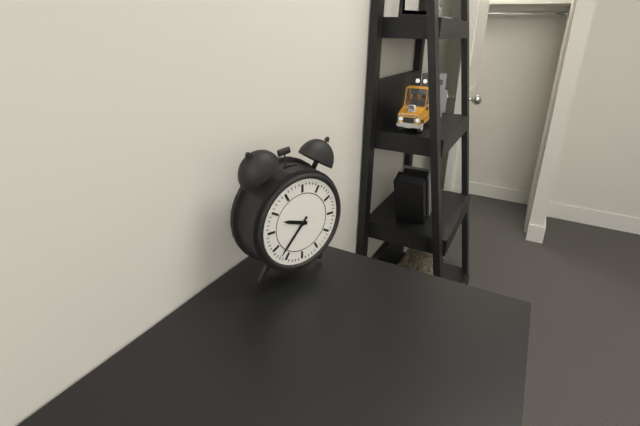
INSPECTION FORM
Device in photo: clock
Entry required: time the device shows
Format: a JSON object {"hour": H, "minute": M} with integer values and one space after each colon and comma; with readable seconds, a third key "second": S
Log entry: {"hour": 9, "minute": 37}
